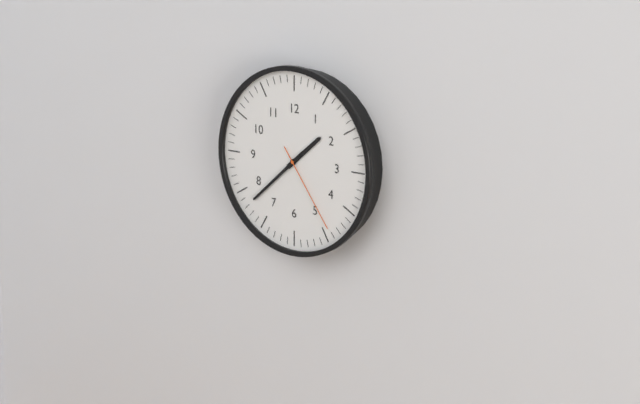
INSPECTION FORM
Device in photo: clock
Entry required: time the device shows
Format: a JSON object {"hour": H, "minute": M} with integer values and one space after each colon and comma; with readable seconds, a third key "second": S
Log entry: {"hour": 1, "minute": 38, "second": 24}
